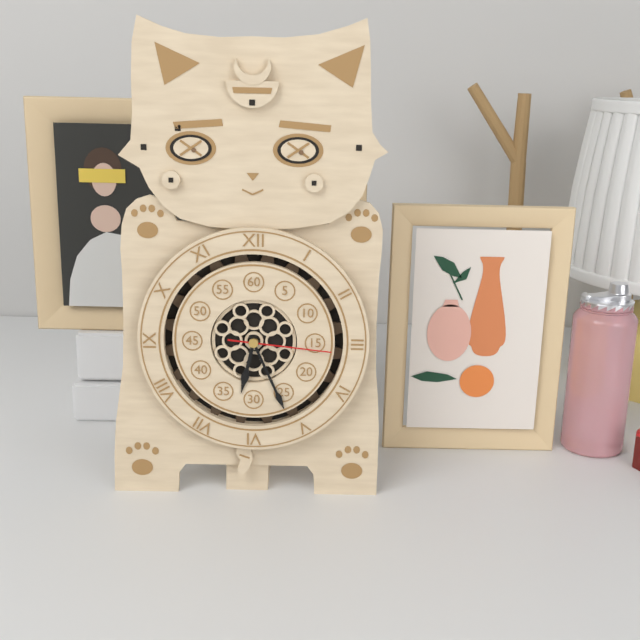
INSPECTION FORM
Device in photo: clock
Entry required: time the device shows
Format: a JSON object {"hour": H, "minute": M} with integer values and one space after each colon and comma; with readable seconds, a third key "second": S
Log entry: {"hour": 6, "minute": 26, "second": 16}
